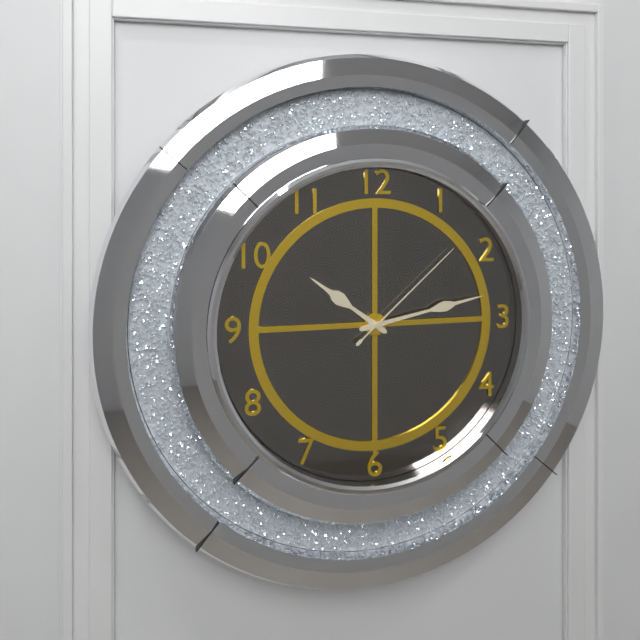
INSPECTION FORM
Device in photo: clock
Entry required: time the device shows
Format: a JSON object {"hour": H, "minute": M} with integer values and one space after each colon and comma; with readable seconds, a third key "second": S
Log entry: {"hour": 10, "minute": 13, "second": 8}
